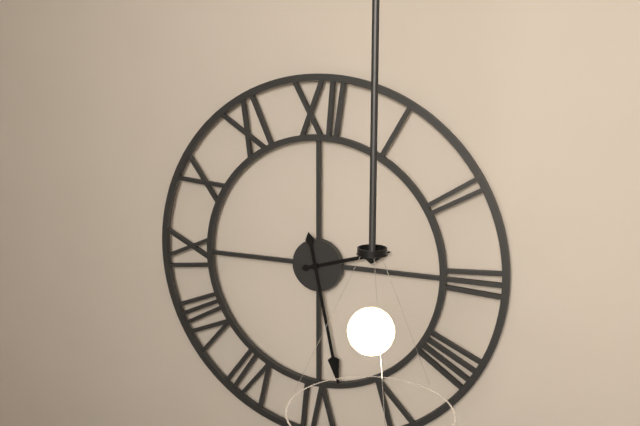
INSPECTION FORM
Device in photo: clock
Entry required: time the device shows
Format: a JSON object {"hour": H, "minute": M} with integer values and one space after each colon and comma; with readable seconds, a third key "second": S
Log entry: {"hour": 2, "minute": 28}
